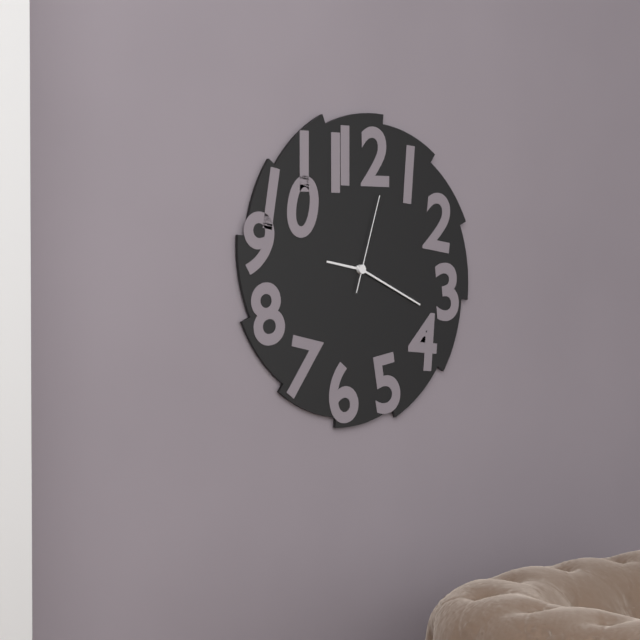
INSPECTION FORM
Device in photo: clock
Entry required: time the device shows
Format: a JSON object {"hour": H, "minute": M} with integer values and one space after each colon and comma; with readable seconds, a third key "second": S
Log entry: {"hour": 9, "minute": 19, "second": 3}
